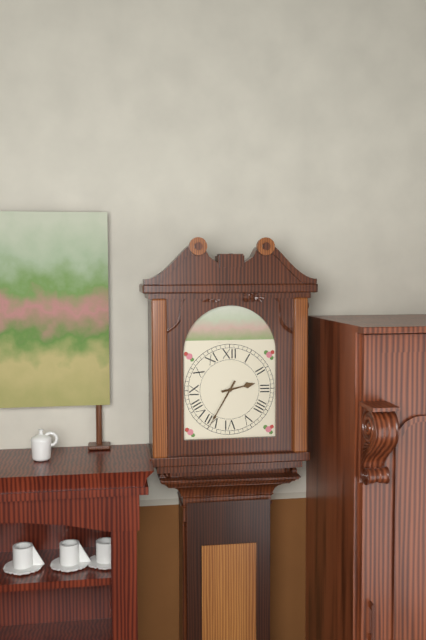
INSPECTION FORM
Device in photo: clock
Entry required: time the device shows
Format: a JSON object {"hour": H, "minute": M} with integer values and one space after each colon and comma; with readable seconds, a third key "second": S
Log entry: {"hour": 2, "minute": 35}
